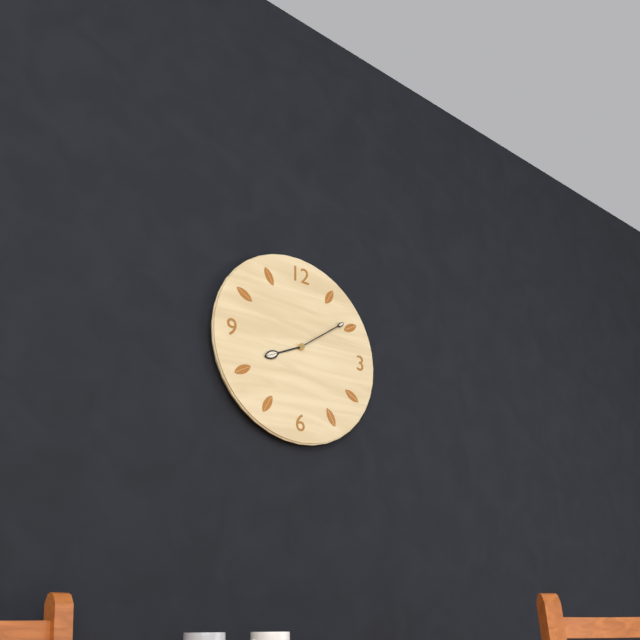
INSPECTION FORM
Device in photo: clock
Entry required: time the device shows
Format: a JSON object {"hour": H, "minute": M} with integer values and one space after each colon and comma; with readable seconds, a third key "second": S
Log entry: {"hour": 8, "minute": 9}
